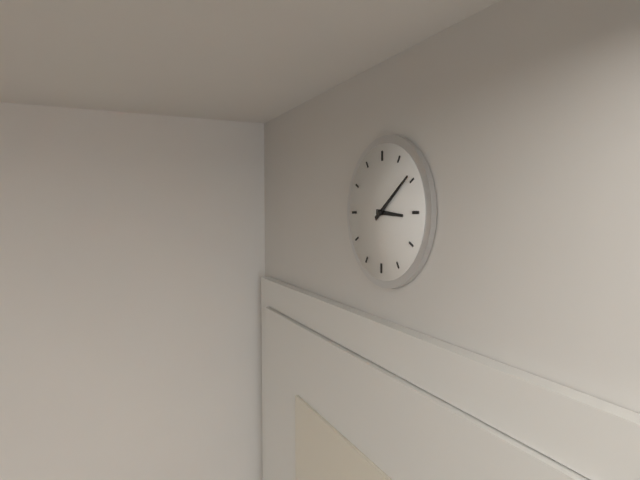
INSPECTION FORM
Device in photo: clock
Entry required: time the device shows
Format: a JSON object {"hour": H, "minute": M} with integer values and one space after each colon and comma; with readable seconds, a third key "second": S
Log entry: {"hour": 3, "minute": 9}
